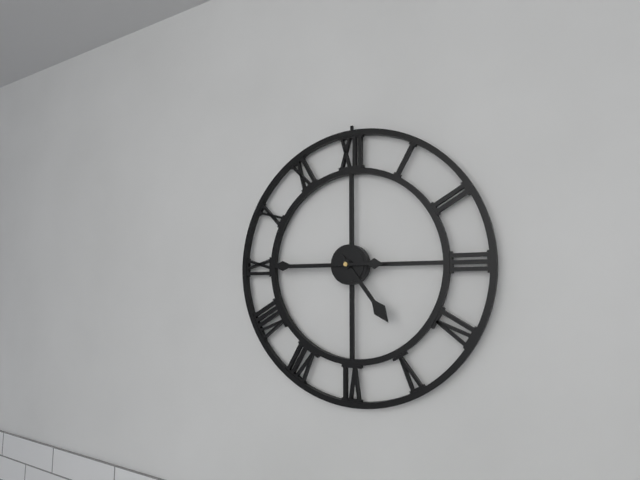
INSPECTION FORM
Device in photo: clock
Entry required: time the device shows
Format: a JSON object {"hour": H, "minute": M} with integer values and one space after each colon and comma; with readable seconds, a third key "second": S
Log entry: {"hour": 4, "minute": 45}
